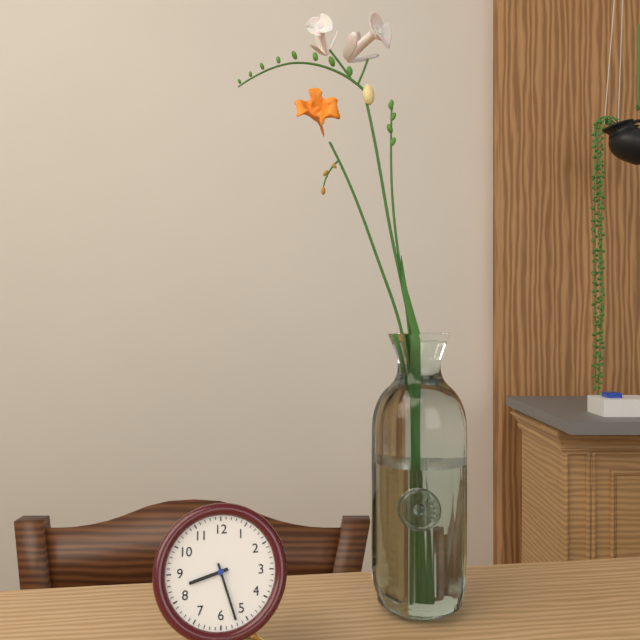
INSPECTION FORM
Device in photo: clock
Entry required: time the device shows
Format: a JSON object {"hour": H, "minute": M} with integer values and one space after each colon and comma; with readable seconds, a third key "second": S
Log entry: {"hour": 8, "minute": 27}
